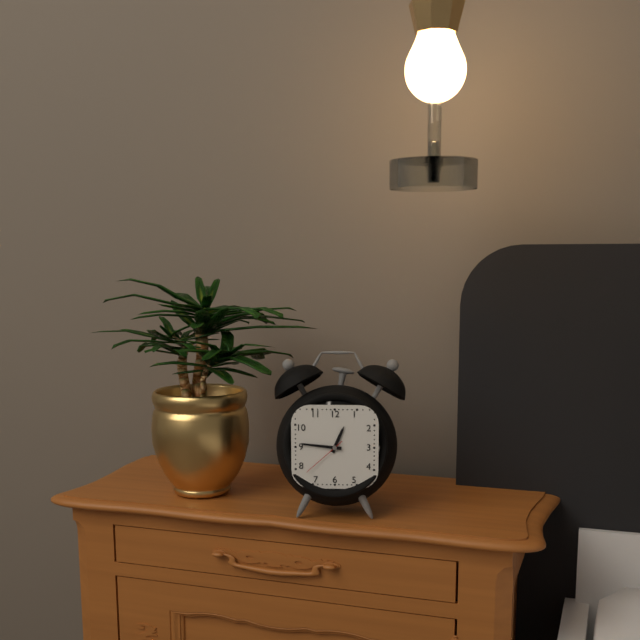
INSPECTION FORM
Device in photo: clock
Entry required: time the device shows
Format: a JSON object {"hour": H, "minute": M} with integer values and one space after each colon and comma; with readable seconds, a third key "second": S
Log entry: {"hour": 12, "minute": 46}
